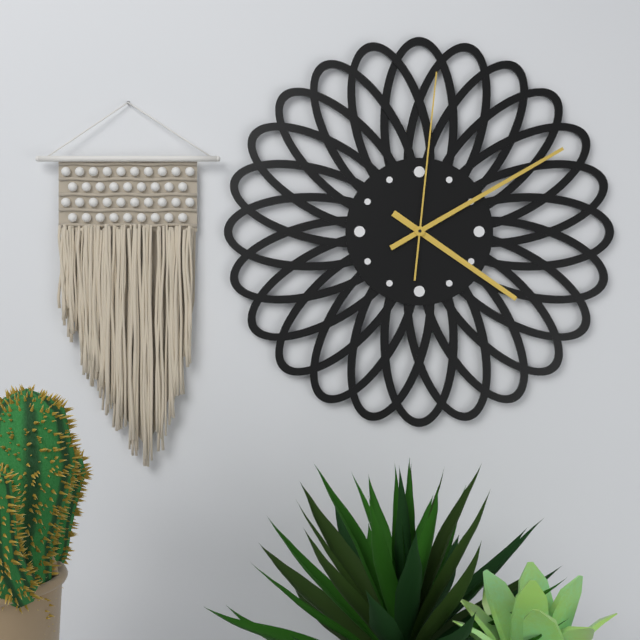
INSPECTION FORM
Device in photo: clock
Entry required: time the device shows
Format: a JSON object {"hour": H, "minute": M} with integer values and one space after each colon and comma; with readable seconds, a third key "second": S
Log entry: {"hour": 4, "minute": 10, "second": 1}
